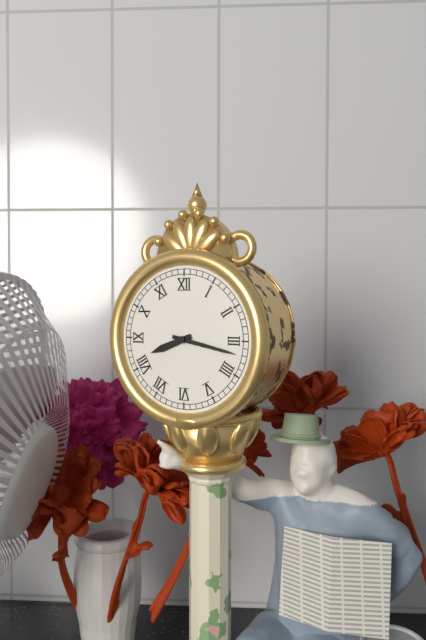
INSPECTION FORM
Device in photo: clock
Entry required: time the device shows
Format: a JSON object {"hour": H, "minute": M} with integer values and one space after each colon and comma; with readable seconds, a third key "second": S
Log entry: {"hour": 8, "minute": 17}
